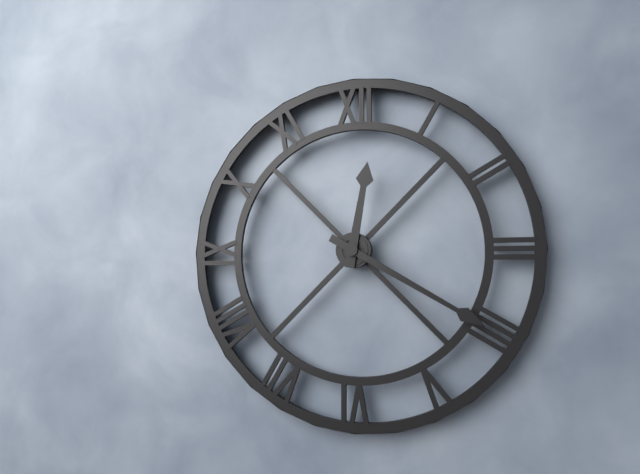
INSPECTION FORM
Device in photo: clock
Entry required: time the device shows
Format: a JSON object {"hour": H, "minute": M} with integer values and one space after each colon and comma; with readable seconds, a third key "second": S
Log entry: {"hour": 12, "minute": 20}
